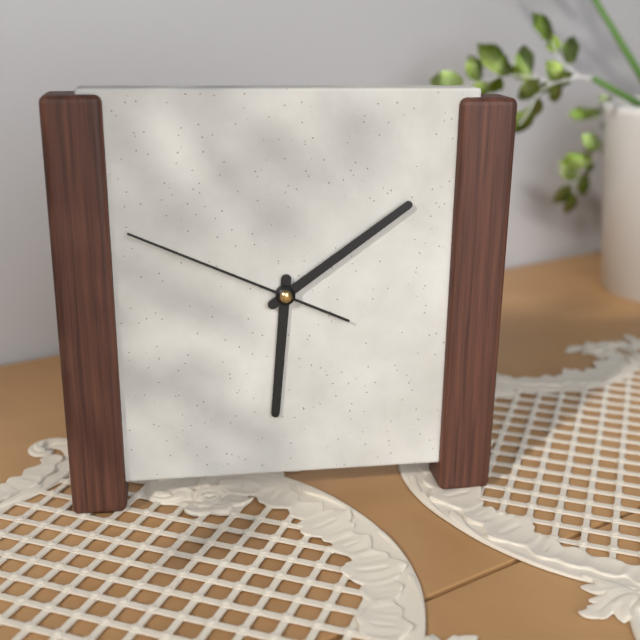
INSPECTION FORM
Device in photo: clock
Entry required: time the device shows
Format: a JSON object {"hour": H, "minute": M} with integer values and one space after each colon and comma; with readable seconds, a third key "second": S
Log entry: {"hour": 6, "minute": 9, "second": 49}
